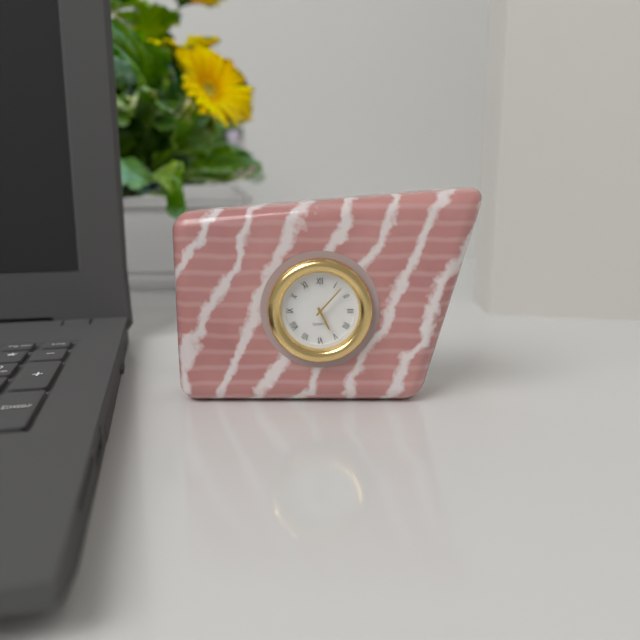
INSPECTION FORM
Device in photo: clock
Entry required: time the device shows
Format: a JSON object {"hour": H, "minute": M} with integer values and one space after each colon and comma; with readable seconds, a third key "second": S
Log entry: {"hour": 5, "minute": 7}
